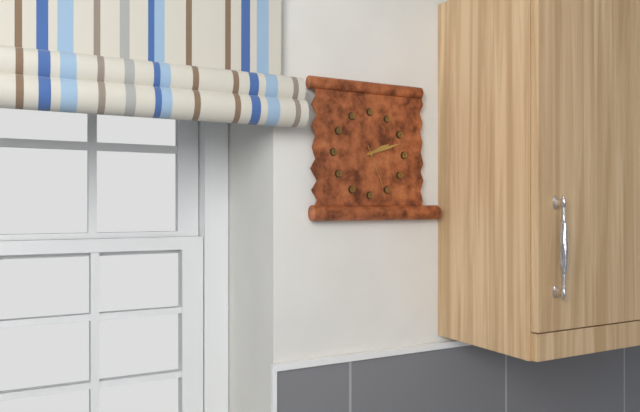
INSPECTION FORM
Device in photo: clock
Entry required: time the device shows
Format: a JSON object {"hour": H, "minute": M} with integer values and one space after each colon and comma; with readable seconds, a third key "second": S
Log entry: {"hour": 2, "minute": 12}
